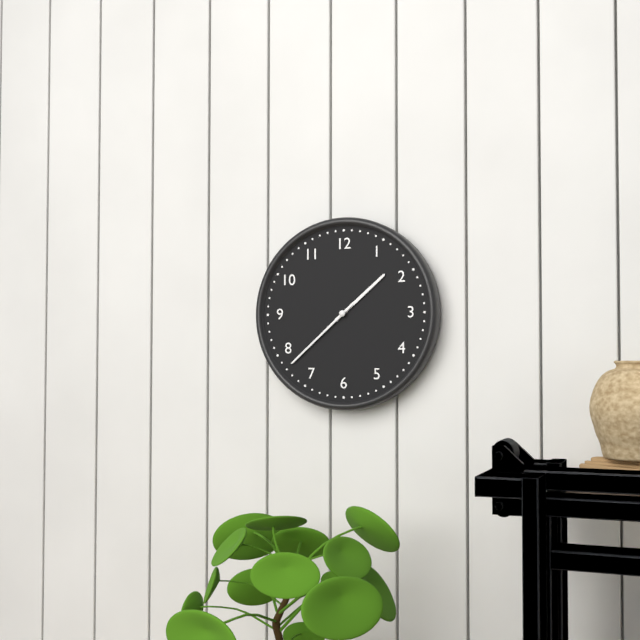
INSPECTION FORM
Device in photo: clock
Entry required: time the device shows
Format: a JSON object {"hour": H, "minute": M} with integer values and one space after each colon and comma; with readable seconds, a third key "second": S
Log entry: {"hour": 1, "minute": 38}
